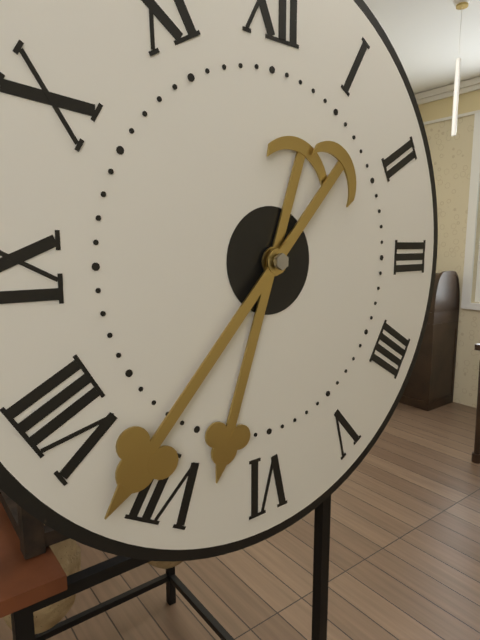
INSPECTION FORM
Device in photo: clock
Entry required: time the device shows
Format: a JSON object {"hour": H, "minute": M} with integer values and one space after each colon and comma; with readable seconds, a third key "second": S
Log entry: {"hour": 6, "minute": 37}
